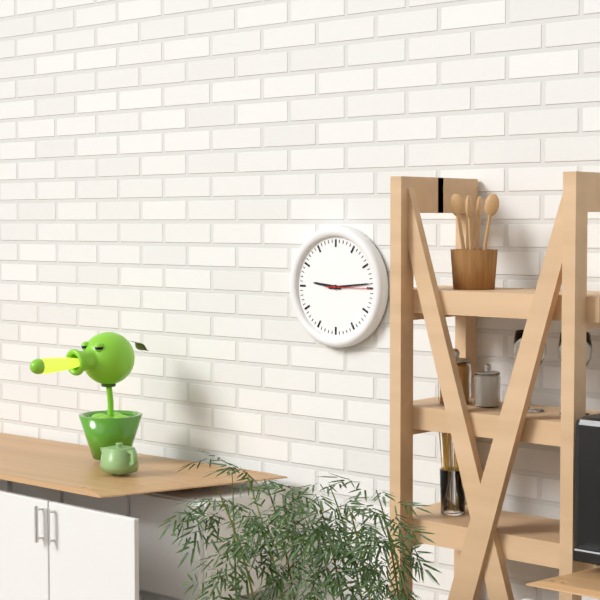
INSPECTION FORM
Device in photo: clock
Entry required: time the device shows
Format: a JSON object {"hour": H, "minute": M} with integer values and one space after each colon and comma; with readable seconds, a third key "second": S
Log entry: {"hour": 9, "minute": 14}
